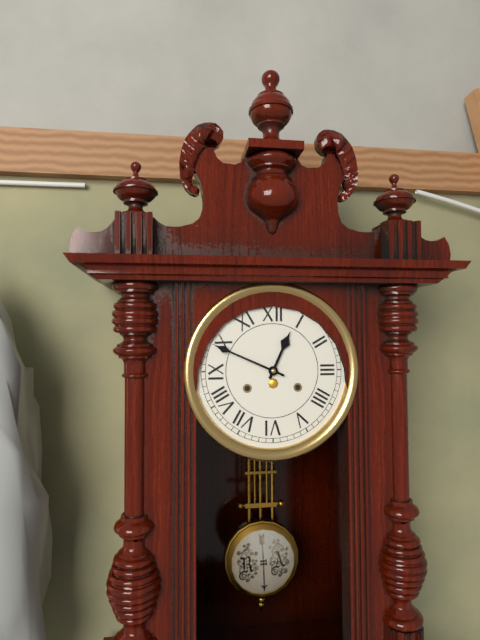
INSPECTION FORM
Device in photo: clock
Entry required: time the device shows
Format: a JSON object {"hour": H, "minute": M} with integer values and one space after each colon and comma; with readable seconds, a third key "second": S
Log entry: {"hour": 12, "minute": 49}
